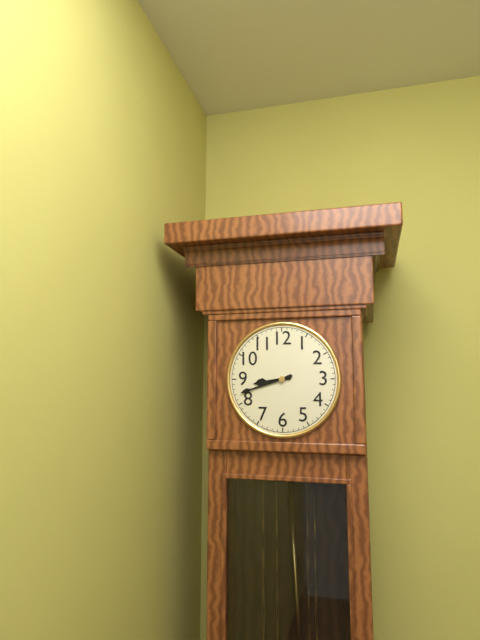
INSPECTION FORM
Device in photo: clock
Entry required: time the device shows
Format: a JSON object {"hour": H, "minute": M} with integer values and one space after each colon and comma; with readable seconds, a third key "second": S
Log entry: {"hour": 8, "minute": 42}
